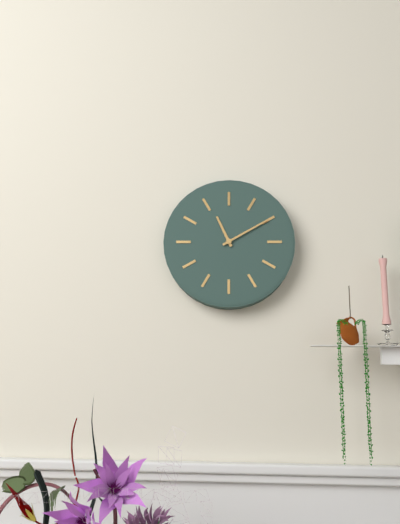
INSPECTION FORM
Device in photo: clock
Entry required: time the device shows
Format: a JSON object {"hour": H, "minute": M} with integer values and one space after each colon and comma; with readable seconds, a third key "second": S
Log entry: {"hour": 11, "minute": 10}
